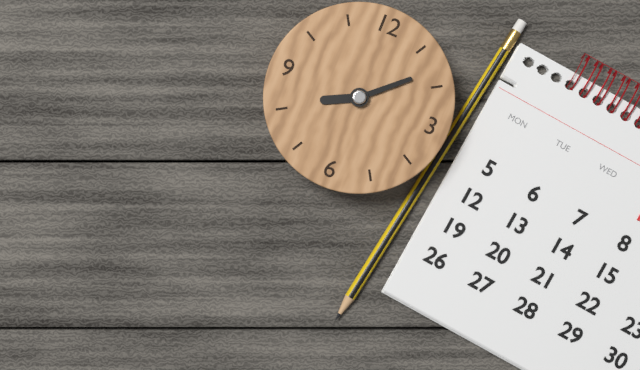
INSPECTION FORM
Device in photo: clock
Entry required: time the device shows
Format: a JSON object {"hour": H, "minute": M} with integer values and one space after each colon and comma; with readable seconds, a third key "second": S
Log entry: {"hour": 8, "minute": 8}
